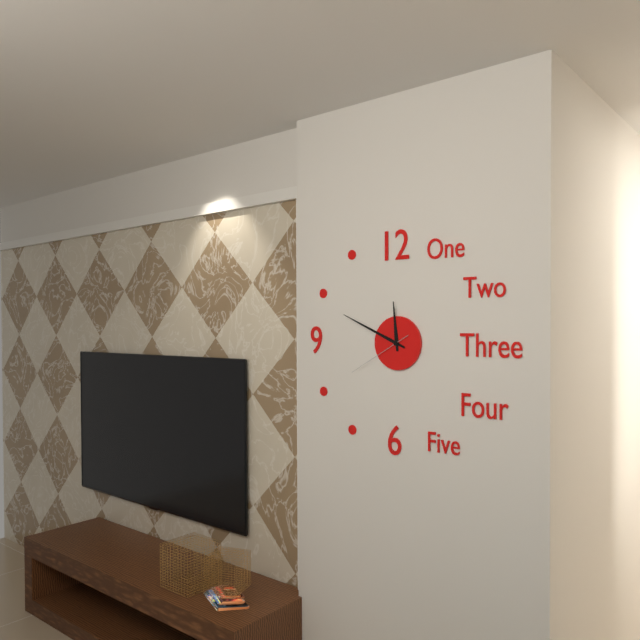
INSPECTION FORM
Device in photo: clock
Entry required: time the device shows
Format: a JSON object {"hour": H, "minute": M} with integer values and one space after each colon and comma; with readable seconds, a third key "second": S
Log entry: {"hour": 11, "minute": 49, "second": 40}
